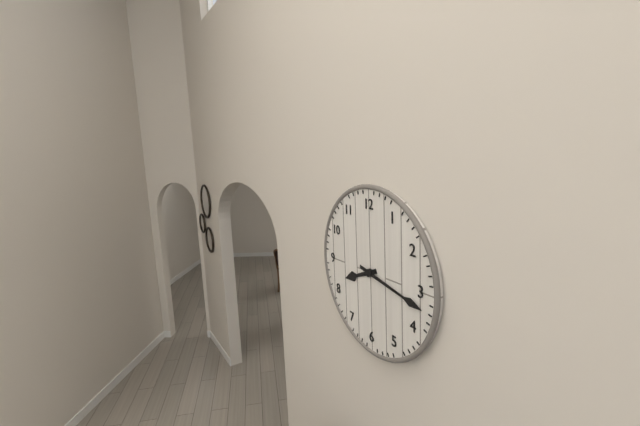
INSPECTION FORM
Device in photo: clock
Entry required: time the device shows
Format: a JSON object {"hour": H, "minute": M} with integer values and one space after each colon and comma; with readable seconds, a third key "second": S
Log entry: {"hour": 8, "minute": 17}
